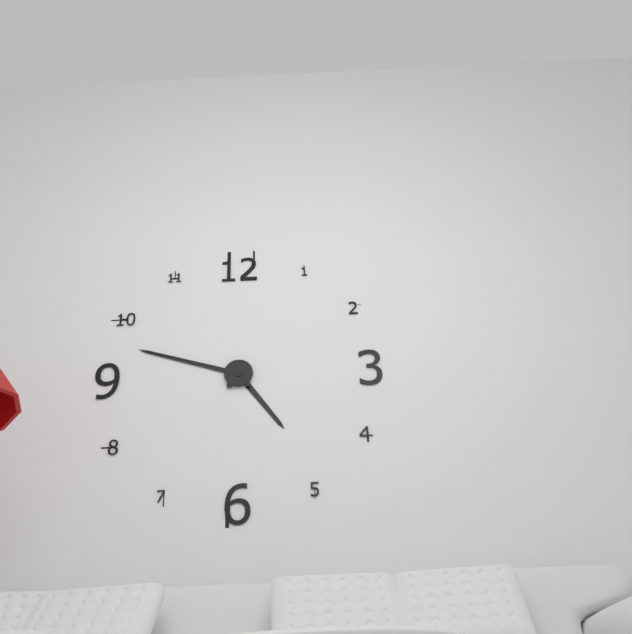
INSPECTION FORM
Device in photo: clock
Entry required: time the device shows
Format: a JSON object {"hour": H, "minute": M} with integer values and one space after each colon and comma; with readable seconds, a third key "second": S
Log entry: {"hour": 4, "minute": 48}
